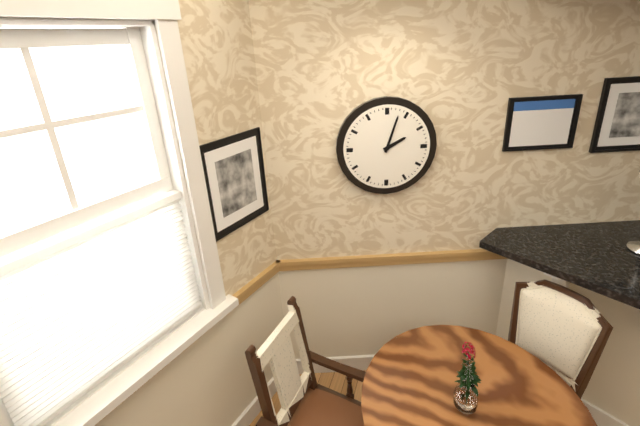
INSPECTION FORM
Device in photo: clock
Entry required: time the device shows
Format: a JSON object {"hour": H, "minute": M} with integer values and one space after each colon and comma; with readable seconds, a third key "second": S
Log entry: {"hour": 2, "minute": 3}
